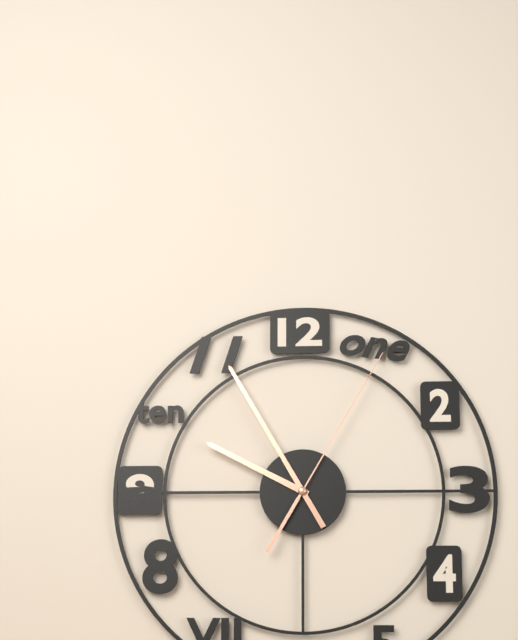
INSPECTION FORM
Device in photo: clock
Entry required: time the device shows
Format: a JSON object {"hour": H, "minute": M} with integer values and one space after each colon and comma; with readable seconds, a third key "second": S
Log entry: {"hour": 9, "minute": 55, "second": 5}
